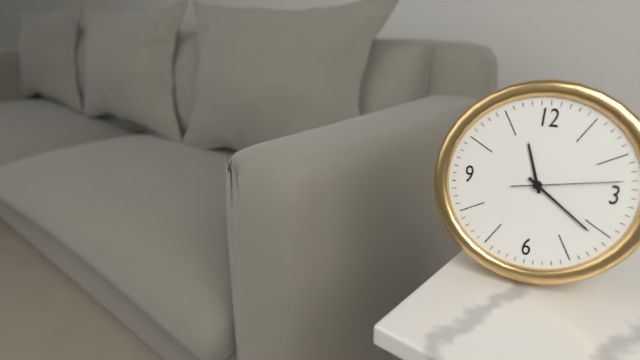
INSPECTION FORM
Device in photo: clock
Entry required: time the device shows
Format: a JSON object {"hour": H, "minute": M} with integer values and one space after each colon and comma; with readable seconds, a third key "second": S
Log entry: {"hour": 11, "minute": 21, "second": 13}
